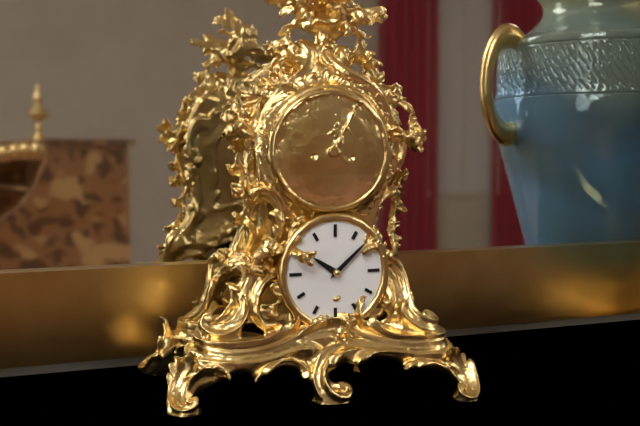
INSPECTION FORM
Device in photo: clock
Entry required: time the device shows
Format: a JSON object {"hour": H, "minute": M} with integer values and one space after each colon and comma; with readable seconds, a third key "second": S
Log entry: {"hour": 10, "minute": 8}
